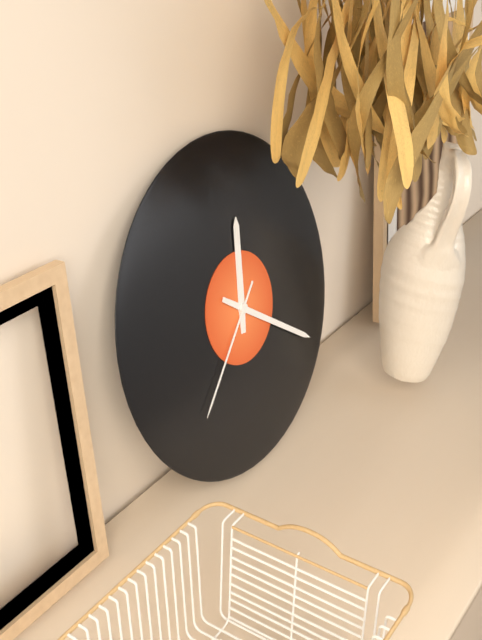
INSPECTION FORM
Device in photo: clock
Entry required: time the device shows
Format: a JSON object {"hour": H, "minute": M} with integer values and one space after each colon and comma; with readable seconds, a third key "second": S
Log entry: {"hour": 12, "minute": 21, "second": 38}
